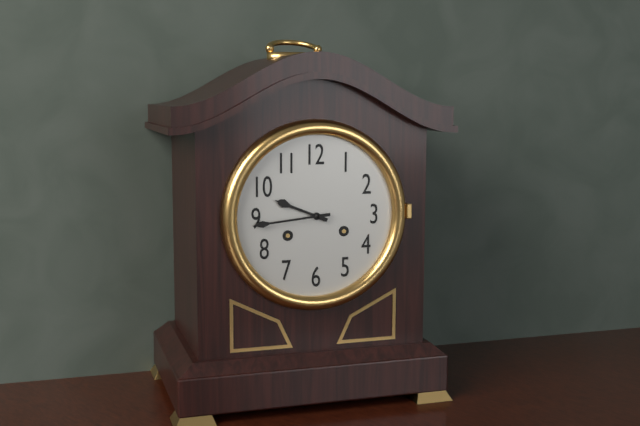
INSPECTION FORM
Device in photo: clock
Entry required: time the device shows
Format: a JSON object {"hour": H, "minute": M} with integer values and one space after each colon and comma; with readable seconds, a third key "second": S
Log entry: {"hour": 9, "minute": 44}
